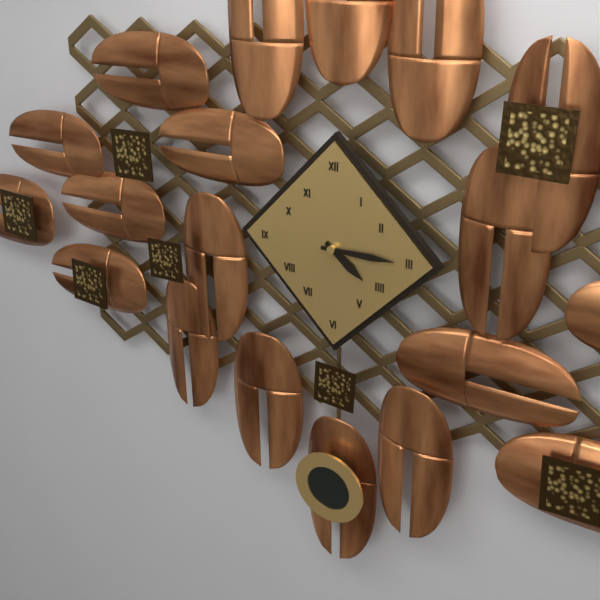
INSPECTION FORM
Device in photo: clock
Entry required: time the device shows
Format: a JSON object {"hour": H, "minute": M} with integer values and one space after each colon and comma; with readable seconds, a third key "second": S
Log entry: {"hour": 4, "minute": 15}
